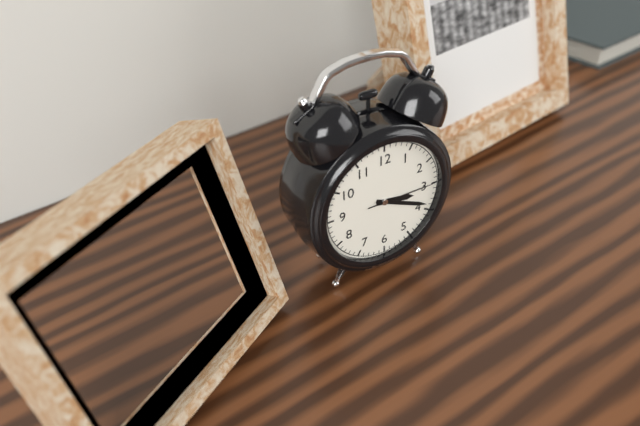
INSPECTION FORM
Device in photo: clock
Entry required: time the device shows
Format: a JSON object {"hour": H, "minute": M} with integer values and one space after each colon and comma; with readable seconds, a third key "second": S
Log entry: {"hour": 3, "minute": 19, "second": 15}
